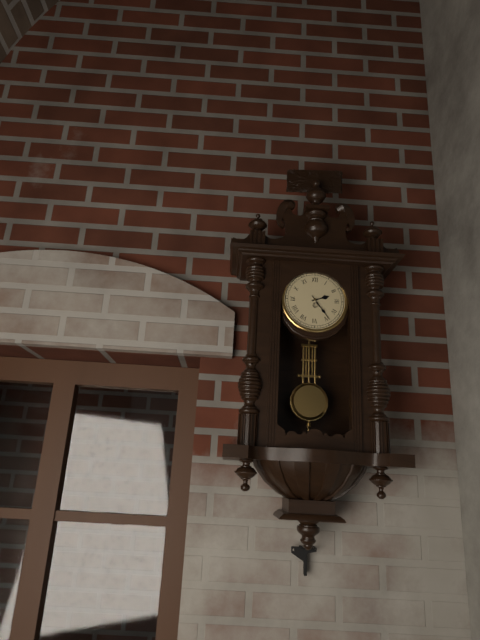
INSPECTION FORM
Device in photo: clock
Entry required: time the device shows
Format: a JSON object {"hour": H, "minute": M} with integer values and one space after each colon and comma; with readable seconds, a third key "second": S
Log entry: {"hour": 2, "minute": 24}
